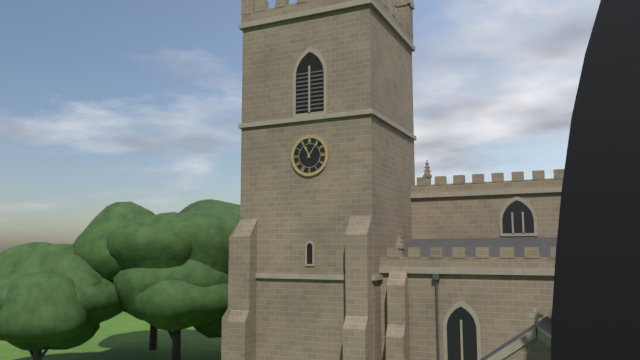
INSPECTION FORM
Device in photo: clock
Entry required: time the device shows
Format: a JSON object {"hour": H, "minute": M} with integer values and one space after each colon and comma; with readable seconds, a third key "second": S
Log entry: {"hour": 11, "minute": 6}
